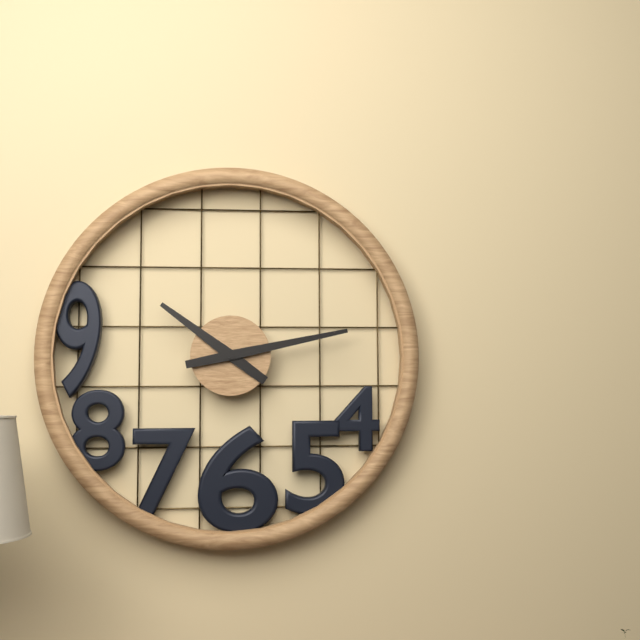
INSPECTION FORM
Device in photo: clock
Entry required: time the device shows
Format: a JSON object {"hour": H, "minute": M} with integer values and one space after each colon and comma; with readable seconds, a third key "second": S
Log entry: {"hour": 10, "minute": 13}
